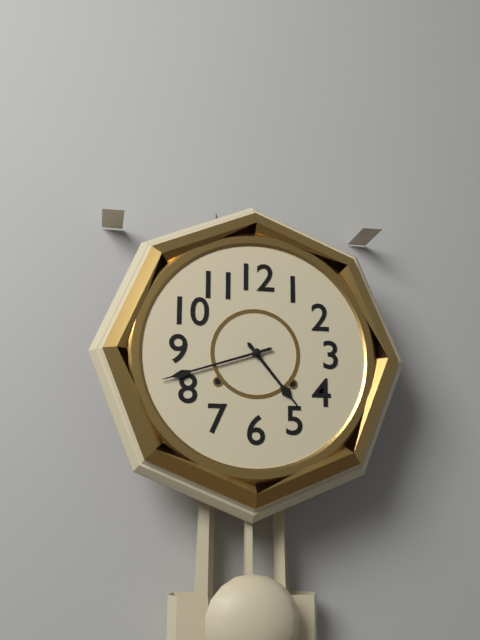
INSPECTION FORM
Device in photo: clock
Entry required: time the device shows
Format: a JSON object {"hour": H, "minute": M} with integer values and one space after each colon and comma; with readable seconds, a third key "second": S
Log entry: {"hour": 4, "minute": 42}
